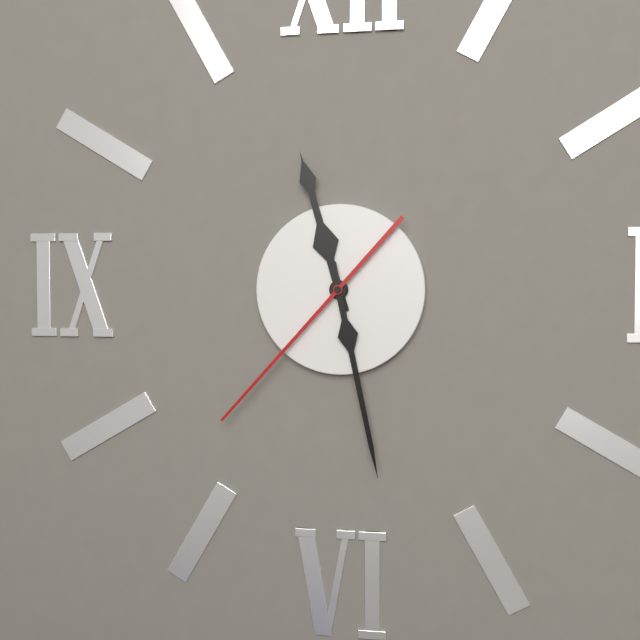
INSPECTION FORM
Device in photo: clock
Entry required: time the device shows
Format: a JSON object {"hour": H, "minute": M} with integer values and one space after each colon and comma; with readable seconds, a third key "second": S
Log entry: {"hour": 11, "minute": 28, "second": 37}
